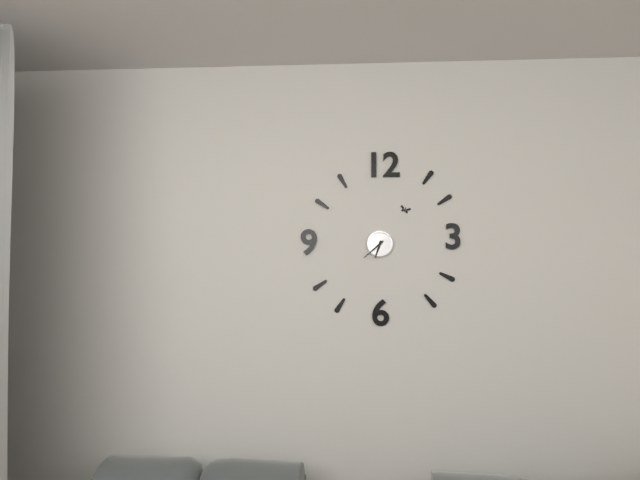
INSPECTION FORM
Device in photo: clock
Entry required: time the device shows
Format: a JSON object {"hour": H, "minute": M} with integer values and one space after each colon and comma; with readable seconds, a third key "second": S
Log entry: {"hour": 6, "minute": 38}
